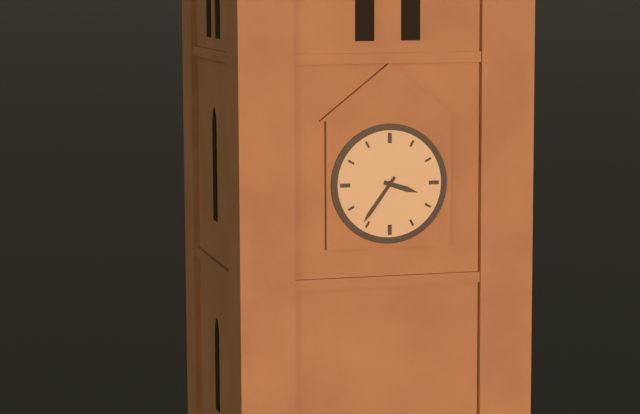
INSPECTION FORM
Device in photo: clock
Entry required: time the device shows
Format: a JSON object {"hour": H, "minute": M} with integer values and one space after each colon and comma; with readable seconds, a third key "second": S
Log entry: {"hour": 3, "minute": 36}
